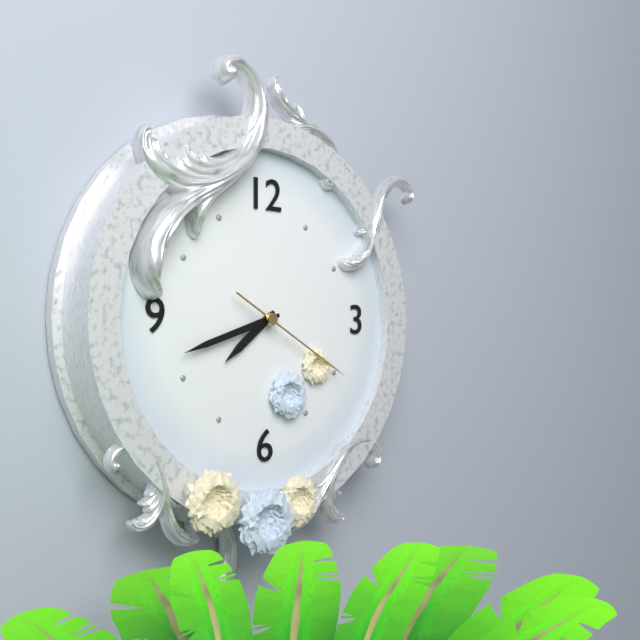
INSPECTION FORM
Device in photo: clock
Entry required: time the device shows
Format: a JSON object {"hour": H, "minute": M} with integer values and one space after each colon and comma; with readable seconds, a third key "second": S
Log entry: {"hour": 7, "minute": 42, "second": 20}
